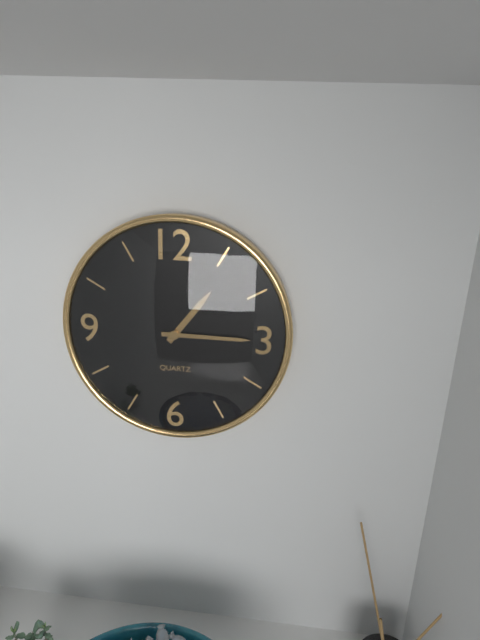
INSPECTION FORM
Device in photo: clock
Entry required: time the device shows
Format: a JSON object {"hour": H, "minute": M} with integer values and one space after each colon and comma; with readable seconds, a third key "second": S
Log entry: {"hour": 1, "minute": 15}
